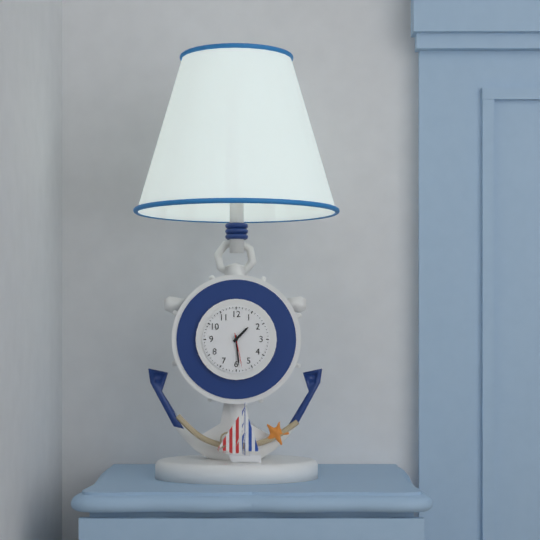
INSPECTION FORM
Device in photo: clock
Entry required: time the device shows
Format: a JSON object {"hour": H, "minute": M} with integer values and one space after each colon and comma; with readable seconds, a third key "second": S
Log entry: {"hour": 1, "minute": 29}
